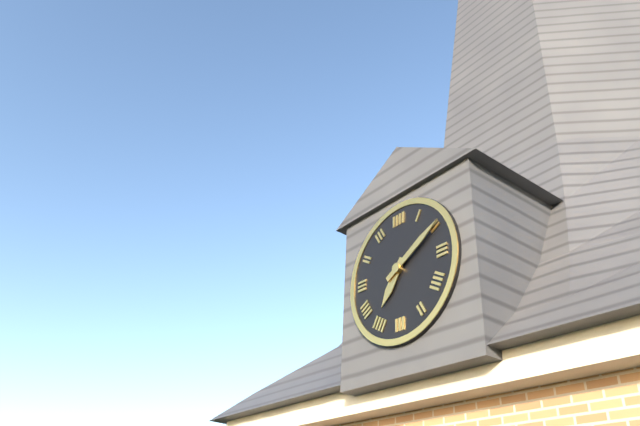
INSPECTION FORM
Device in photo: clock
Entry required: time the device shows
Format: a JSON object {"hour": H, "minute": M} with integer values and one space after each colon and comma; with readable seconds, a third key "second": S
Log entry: {"hour": 7, "minute": 10}
